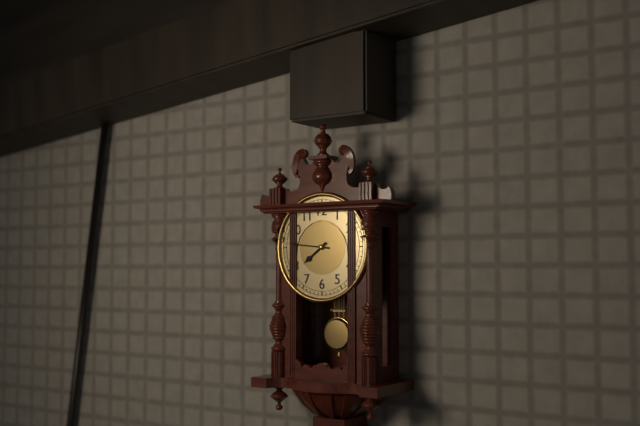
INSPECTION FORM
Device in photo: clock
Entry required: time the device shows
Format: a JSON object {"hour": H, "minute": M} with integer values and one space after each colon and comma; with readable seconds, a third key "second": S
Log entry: {"hour": 7, "minute": 46}
